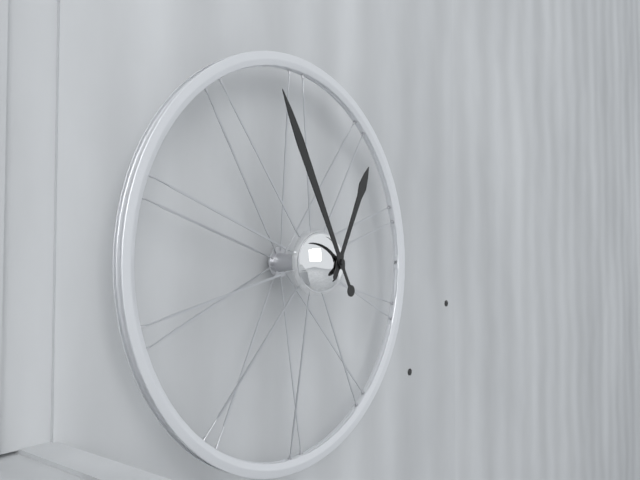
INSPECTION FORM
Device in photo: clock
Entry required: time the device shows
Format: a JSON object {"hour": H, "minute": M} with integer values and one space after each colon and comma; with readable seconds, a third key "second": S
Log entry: {"hour": 12, "minute": 55}
